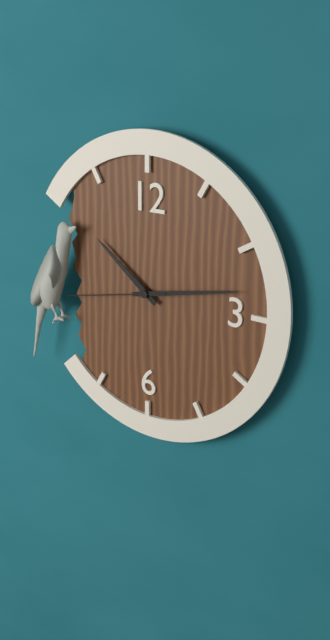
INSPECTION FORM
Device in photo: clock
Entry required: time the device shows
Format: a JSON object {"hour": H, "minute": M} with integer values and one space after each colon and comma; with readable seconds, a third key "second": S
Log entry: {"hour": 10, "minute": 13, "second": 43}
